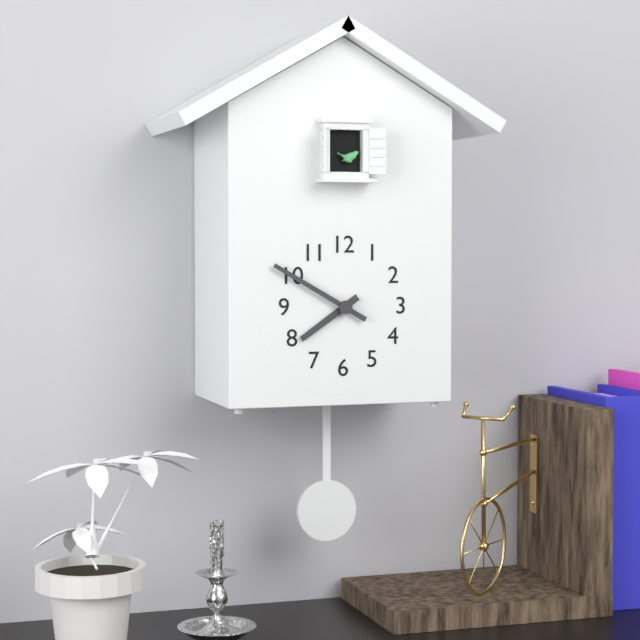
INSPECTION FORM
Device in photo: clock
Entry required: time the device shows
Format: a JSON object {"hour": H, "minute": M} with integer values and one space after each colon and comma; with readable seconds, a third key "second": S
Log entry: {"hour": 7, "minute": 50}
